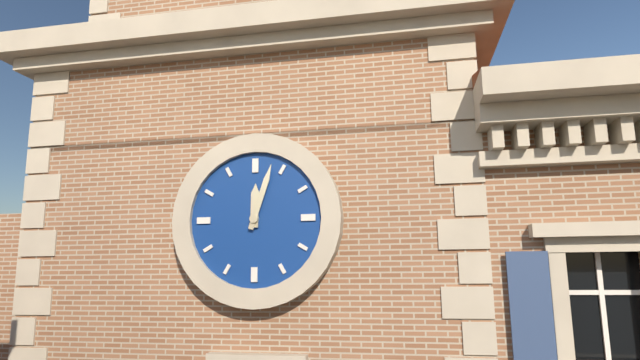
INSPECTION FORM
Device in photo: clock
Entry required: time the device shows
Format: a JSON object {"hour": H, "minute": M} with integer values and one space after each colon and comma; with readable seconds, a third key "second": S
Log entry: {"hour": 12, "minute": 3}
